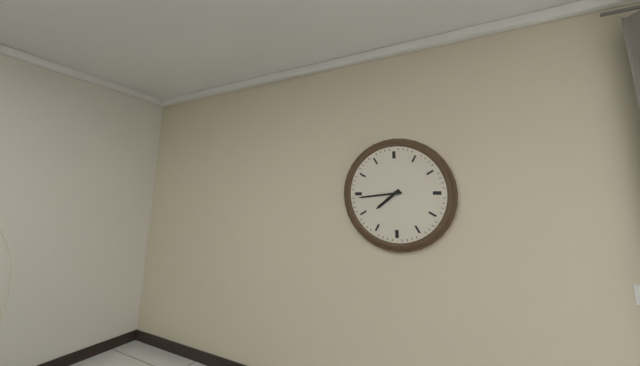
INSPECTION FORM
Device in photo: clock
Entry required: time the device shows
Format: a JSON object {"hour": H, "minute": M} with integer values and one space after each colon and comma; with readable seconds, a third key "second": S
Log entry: {"hour": 7, "minute": 44}
